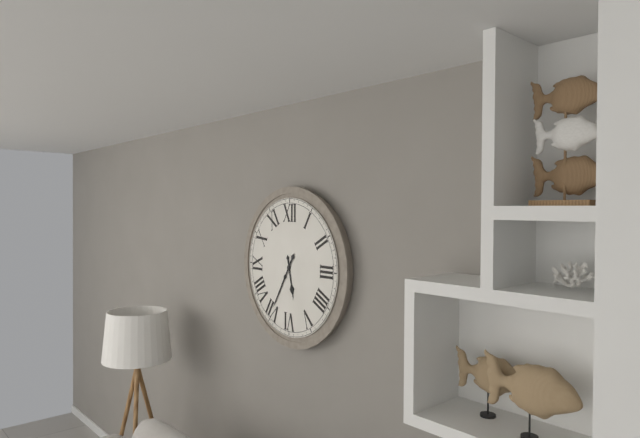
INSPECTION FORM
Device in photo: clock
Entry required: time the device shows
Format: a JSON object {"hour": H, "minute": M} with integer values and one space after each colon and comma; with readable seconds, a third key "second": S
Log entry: {"hour": 5, "minute": 35}
